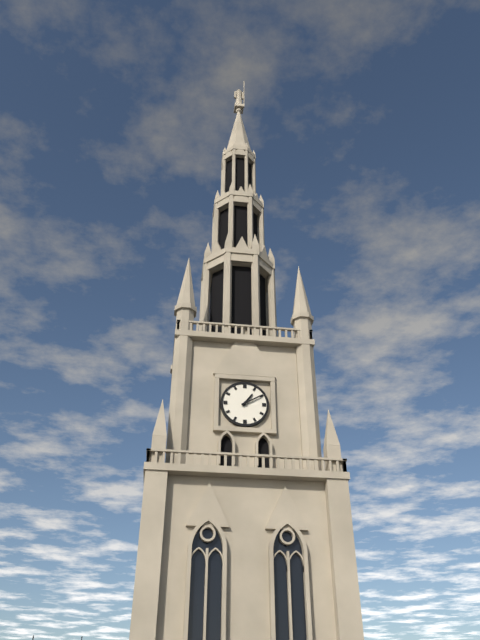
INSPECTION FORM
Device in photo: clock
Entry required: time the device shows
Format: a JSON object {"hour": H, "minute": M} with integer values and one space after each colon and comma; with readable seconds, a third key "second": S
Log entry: {"hour": 1, "minute": 10}
